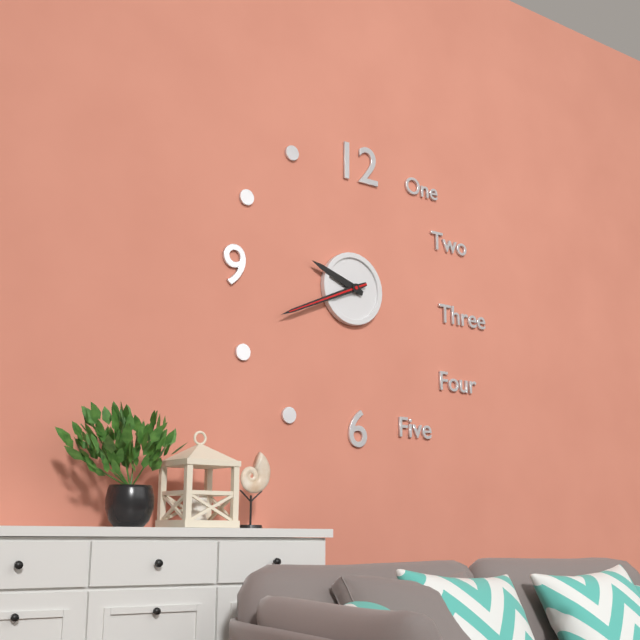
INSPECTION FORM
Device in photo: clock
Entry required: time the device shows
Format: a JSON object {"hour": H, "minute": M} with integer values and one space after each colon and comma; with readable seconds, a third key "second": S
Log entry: {"hour": 9, "minute": 41, "second": 41}
